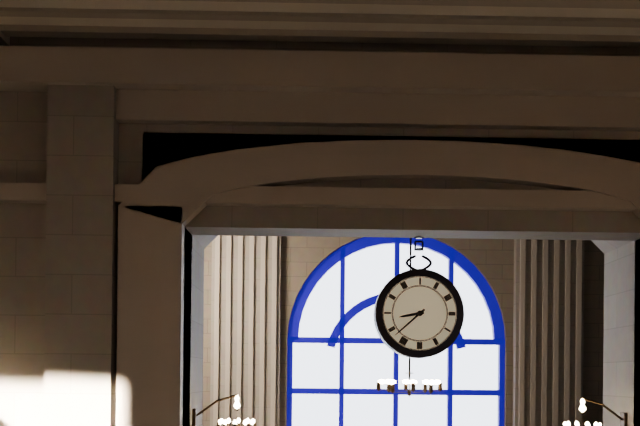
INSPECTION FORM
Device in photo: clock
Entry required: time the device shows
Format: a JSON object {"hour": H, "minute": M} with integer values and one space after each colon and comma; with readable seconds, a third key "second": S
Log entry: {"hour": 8, "minute": 38}
